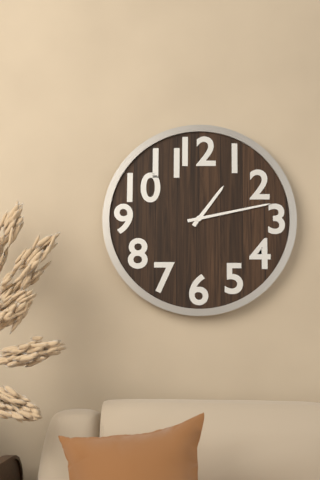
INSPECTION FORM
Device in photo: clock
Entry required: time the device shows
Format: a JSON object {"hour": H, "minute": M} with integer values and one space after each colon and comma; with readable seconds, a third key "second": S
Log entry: {"hour": 1, "minute": 13}
